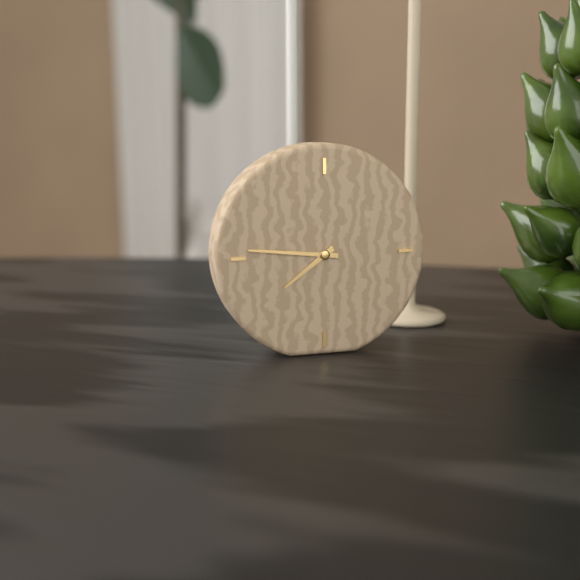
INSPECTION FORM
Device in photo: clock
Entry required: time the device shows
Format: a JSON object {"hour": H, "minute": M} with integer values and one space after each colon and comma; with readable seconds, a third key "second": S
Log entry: {"hour": 7, "minute": 46}
